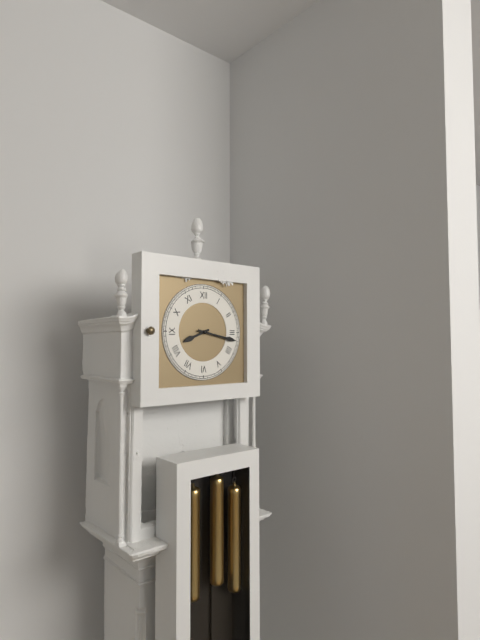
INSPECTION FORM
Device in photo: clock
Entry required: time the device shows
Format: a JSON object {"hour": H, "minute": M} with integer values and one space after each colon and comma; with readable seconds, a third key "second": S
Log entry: {"hour": 8, "minute": 17}
